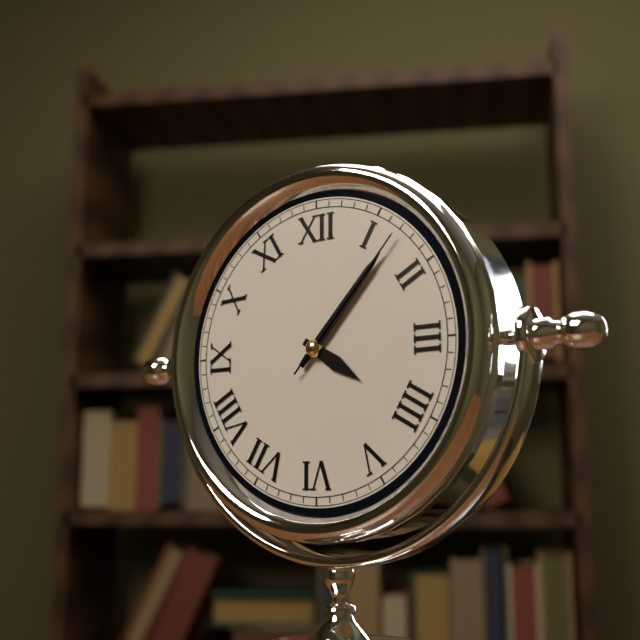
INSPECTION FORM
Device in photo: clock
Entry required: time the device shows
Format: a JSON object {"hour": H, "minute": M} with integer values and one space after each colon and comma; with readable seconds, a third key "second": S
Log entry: {"hour": 4, "minute": 7, "second": 7}
